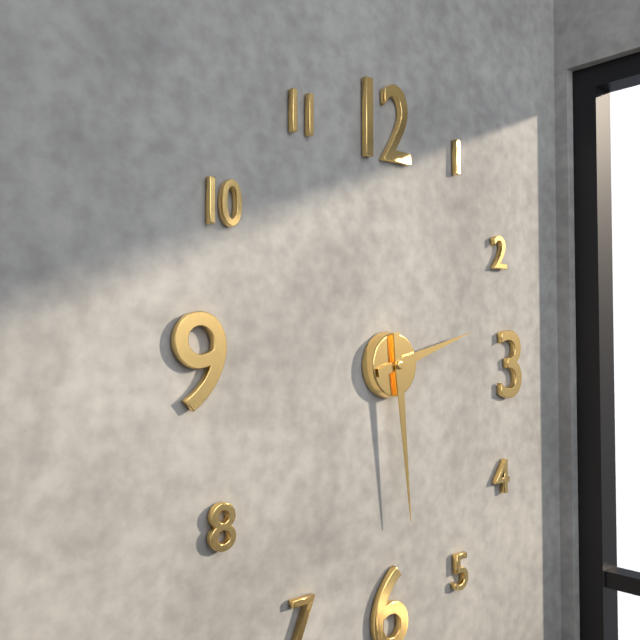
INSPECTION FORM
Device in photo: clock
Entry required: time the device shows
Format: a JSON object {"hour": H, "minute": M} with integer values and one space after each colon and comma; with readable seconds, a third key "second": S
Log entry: {"hour": 2, "minute": 29}
